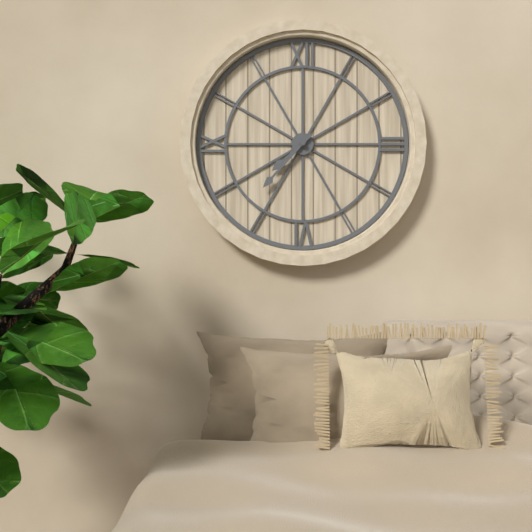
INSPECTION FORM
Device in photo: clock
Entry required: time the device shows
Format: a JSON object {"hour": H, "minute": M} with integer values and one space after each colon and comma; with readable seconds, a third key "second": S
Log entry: {"hour": 7, "minute": 37}
